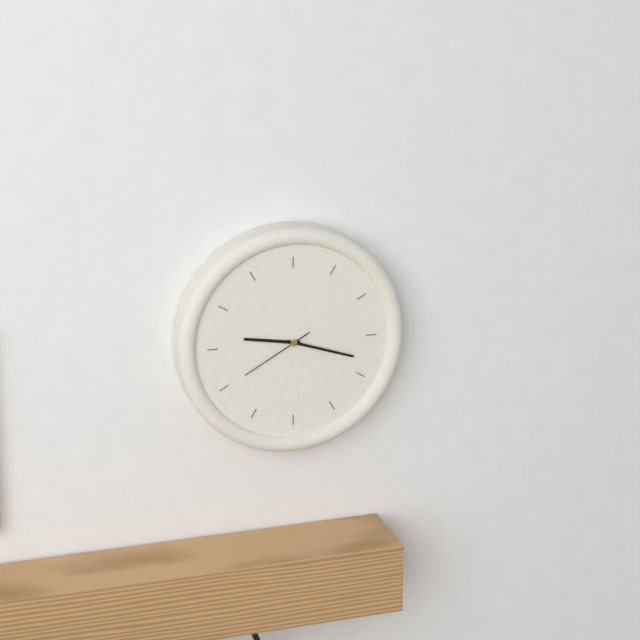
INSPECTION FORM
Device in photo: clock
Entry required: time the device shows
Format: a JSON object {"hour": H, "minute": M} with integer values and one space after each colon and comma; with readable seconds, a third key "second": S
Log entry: {"hour": 9, "minute": 18, "second": 40}
